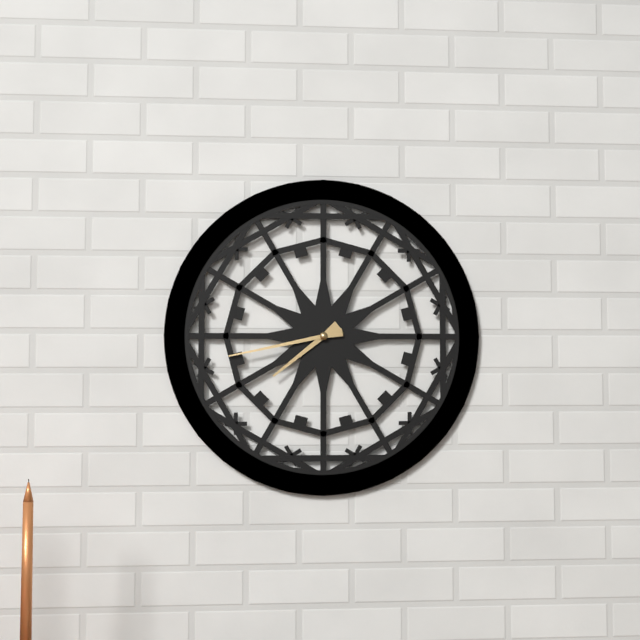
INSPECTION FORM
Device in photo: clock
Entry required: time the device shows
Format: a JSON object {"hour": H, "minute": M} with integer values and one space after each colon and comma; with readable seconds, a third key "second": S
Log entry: {"hour": 7, "minute": 43}
